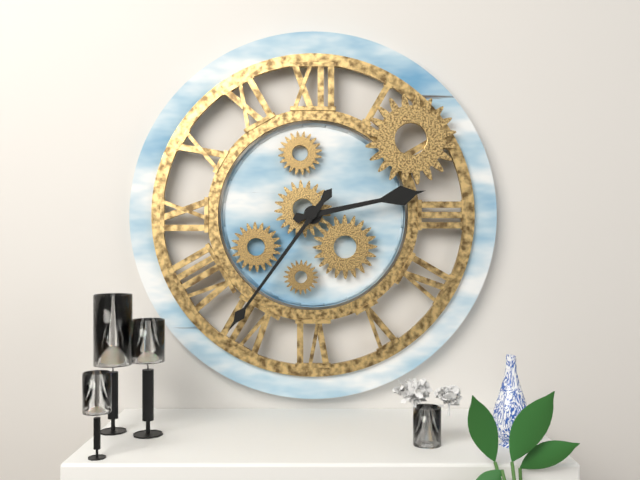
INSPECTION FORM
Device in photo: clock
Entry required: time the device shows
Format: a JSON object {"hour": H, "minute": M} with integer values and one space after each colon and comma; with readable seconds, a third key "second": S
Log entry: {"hour": 2, "minute": 36}
